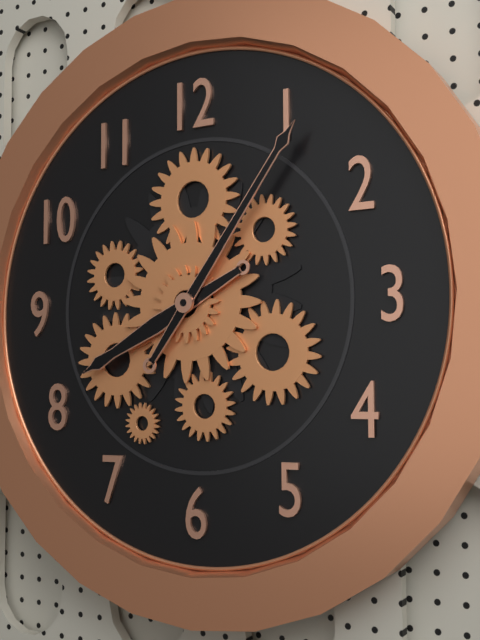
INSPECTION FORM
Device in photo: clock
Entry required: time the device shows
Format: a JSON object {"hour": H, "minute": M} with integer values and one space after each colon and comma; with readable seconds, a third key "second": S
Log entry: {"hour": 8, "minute": 6}
